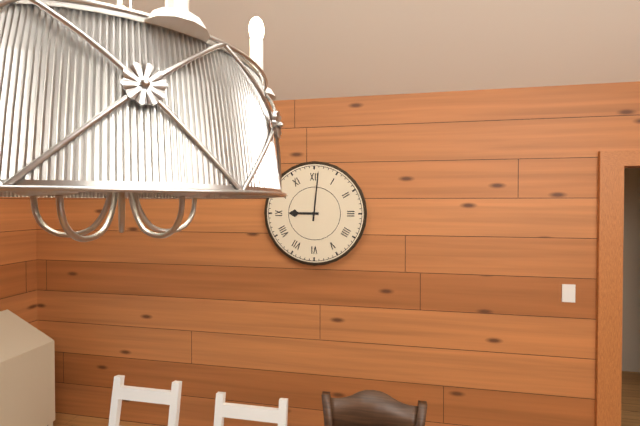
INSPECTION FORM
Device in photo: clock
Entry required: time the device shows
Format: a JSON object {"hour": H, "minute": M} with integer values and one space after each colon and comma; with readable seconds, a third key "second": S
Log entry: {"hour": 9, "minute": 1}
